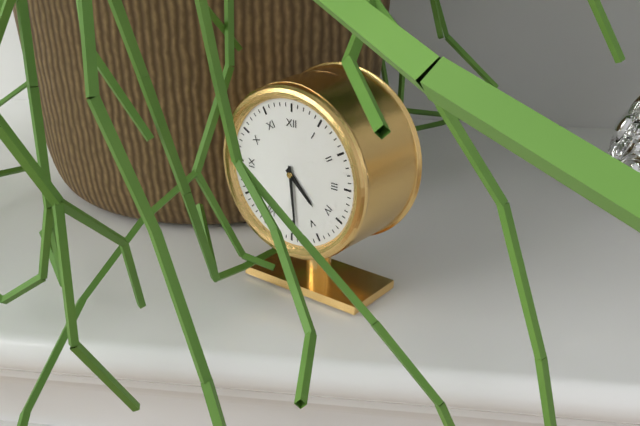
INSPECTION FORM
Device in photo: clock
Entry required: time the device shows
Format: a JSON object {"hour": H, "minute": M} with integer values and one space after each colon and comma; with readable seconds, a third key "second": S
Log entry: {"hour": 4, "minute": 29}
